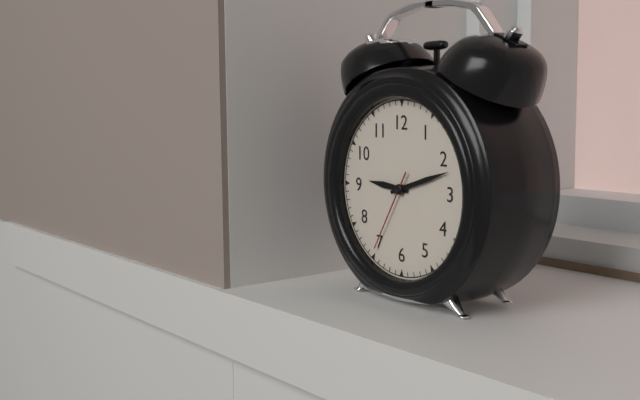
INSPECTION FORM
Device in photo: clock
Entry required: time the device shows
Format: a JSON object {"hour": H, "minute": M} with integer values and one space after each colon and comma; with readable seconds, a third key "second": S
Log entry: {"hour": 9, "minute": 12, "second": 35}
